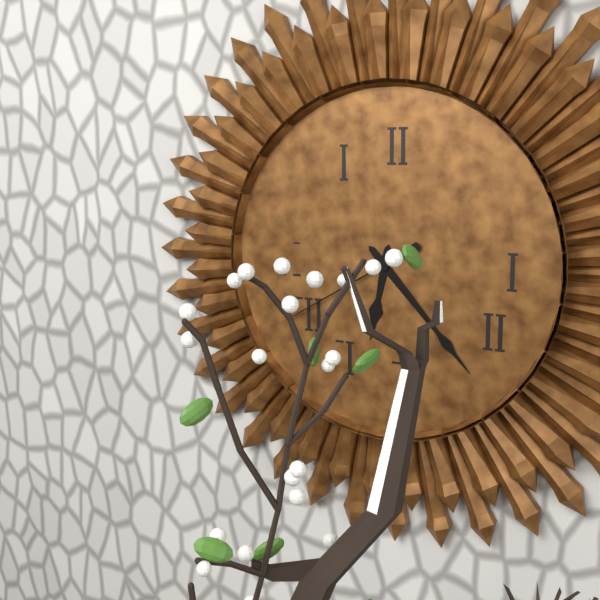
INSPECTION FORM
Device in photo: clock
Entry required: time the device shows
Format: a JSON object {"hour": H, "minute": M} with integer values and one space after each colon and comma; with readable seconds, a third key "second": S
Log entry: {"hour": 6, "minute": 23, "second": 40}
